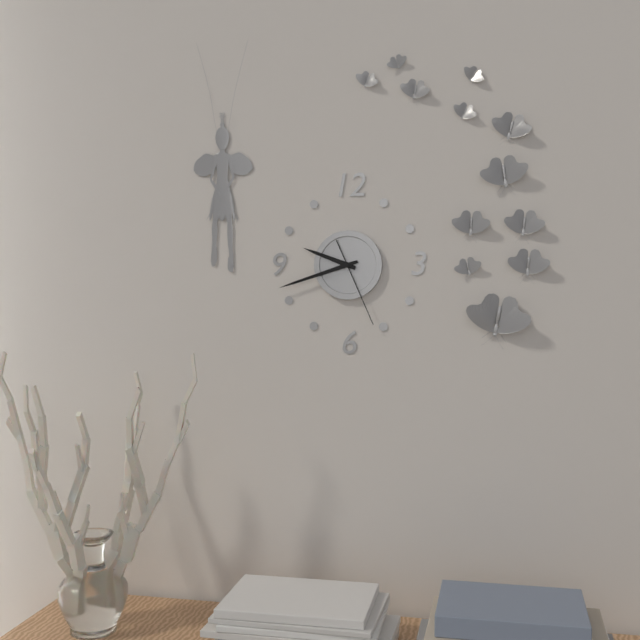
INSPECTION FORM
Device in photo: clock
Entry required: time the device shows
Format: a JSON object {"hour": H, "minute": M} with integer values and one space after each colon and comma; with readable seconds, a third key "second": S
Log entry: {"hour": 9, "minute": 42, "second": 26}
